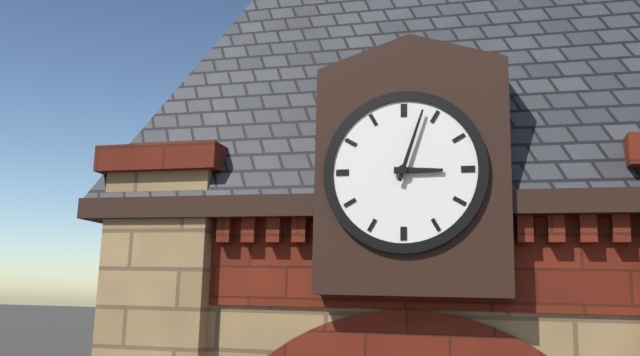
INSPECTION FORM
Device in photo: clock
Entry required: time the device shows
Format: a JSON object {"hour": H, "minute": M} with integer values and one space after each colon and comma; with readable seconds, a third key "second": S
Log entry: {"hour": 3, "minute": 3}
